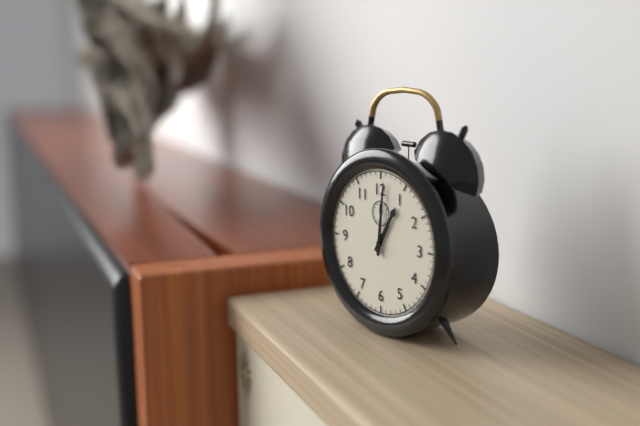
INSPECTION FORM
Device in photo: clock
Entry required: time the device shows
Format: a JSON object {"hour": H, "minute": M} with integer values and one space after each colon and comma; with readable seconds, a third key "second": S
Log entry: {"hour": 1, "minute": 1}
